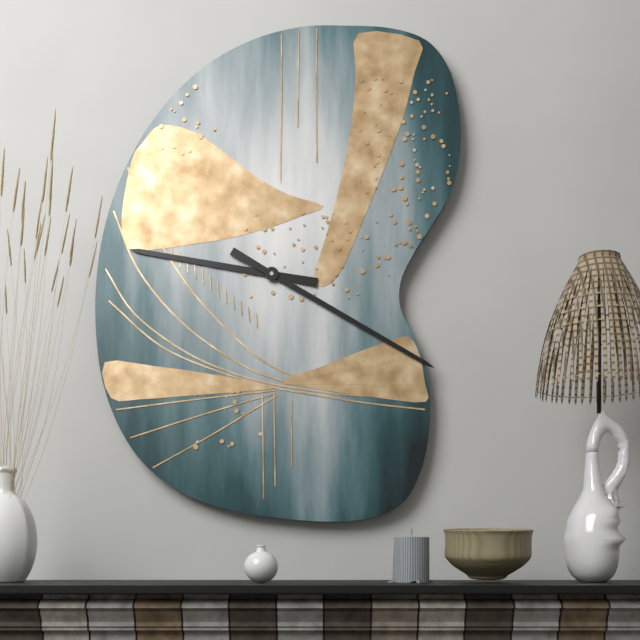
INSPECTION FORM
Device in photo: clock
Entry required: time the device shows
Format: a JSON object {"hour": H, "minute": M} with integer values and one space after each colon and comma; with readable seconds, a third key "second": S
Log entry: {"hour": 9, "minute": 20}
